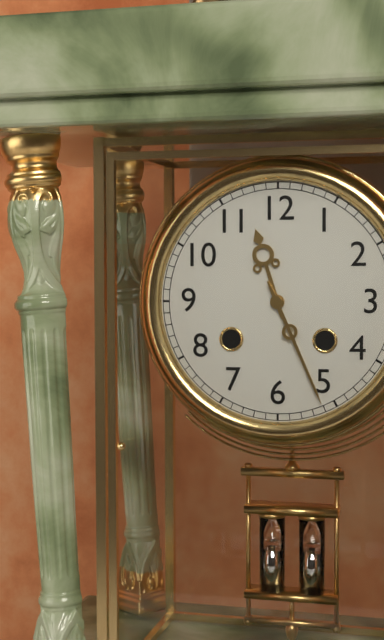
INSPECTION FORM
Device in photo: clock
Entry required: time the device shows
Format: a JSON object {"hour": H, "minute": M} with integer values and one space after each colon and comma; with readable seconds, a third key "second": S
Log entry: {"hour": 11, "minute": 26}
